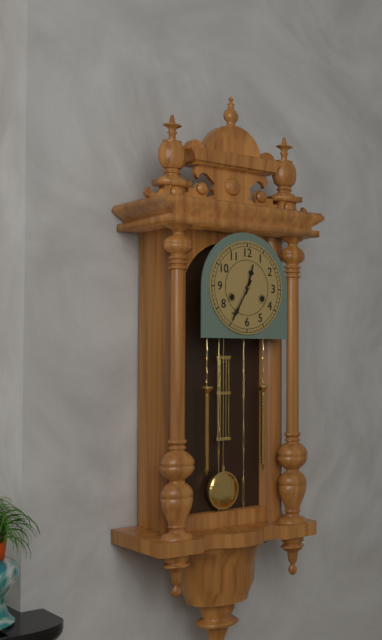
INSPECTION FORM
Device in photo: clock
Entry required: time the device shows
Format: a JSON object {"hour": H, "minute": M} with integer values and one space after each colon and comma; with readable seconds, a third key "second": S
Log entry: {"hour": 12, "minute": 35}
